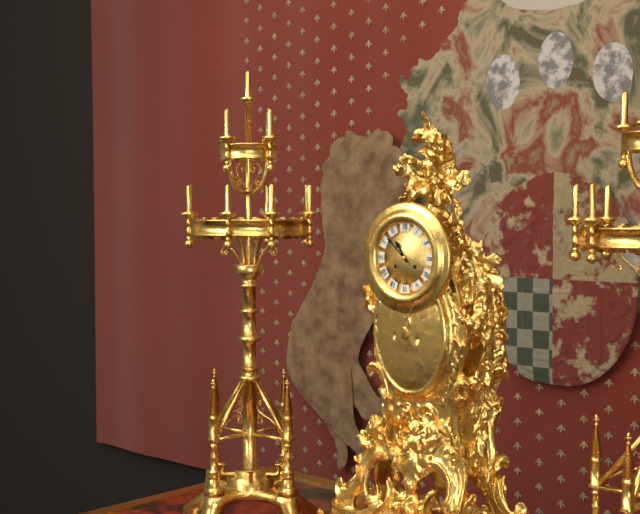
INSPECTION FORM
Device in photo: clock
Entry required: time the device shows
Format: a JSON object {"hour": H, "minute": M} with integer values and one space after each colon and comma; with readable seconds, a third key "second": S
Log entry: {"hour": 10, "minute": 52}
